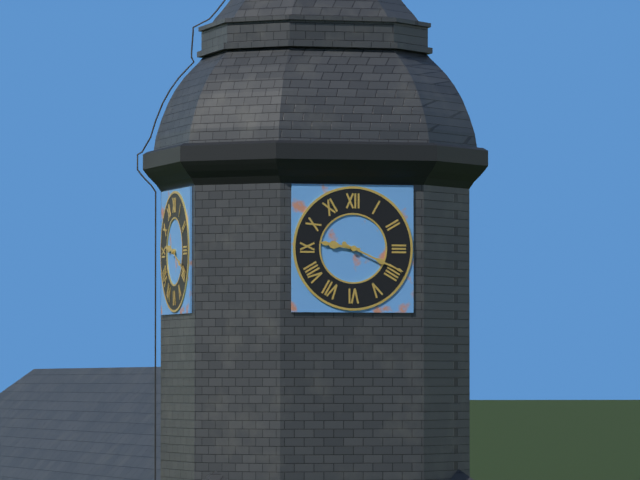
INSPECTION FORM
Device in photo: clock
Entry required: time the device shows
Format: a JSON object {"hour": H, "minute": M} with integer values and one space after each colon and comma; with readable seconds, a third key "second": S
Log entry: {"hour": 9, "minute": 19}
